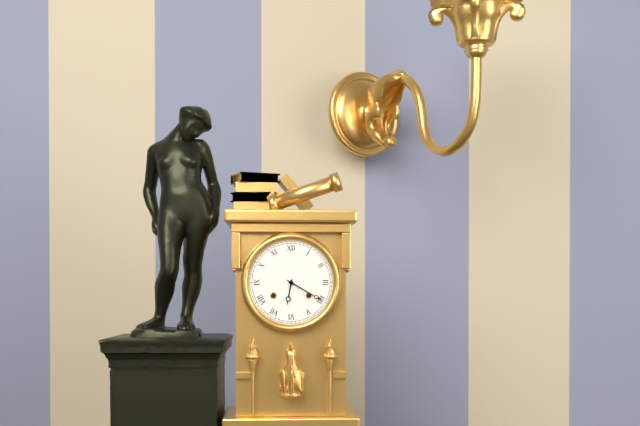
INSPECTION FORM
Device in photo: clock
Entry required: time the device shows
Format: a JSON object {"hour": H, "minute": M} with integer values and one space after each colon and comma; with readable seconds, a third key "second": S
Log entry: {"hour": 6, "minute": 20}
